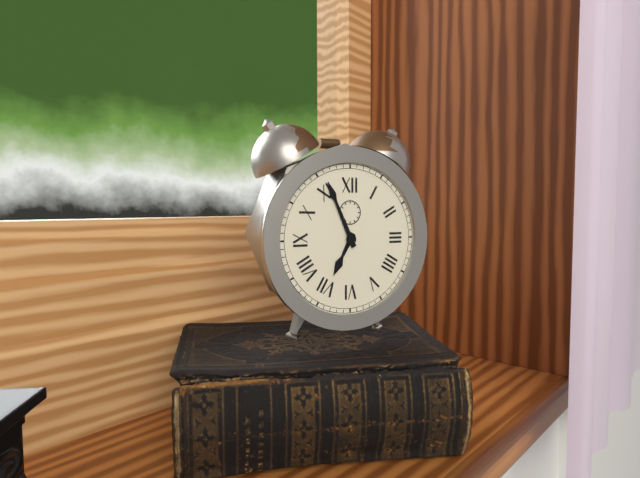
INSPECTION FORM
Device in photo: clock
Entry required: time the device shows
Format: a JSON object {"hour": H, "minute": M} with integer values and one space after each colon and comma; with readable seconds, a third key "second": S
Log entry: {"hour": 6, "minute": 56}
